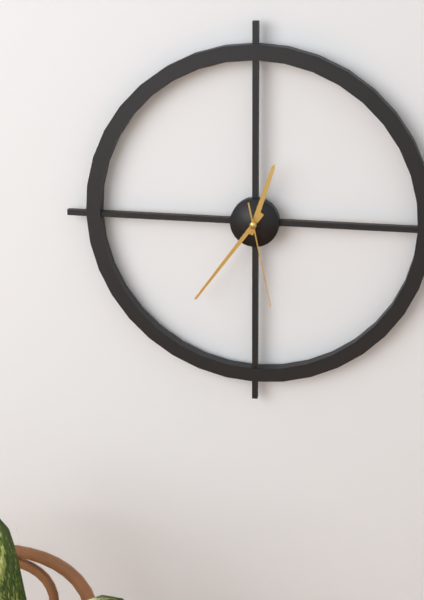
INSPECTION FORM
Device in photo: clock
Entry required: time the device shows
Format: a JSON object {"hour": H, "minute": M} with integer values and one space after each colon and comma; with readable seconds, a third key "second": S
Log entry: {"hour": 12, "minute": 36, "second": 28}
